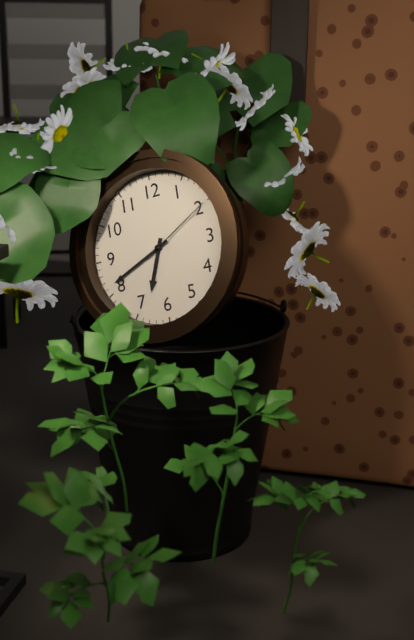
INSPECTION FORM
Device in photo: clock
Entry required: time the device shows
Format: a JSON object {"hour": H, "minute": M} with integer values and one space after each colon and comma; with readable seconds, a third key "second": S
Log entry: {"hour": 6, "minute": 41, "second": 10}
